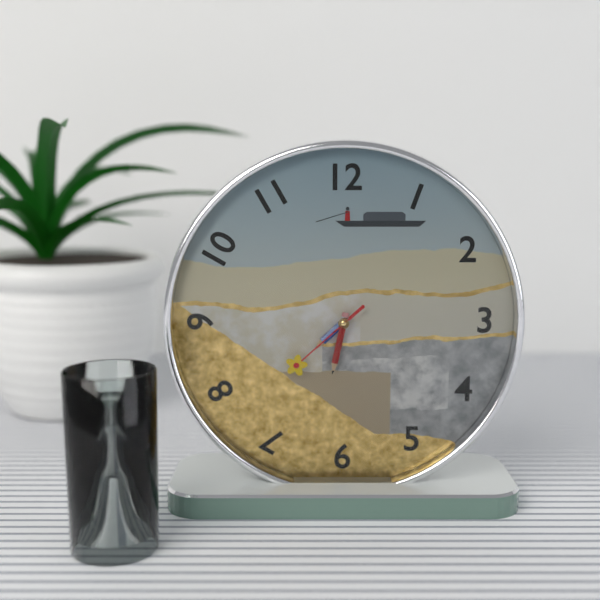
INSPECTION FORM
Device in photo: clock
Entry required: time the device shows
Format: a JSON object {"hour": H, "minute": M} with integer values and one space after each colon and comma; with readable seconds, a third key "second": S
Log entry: {"hour": 7, "minute": 32, "second": 38}
